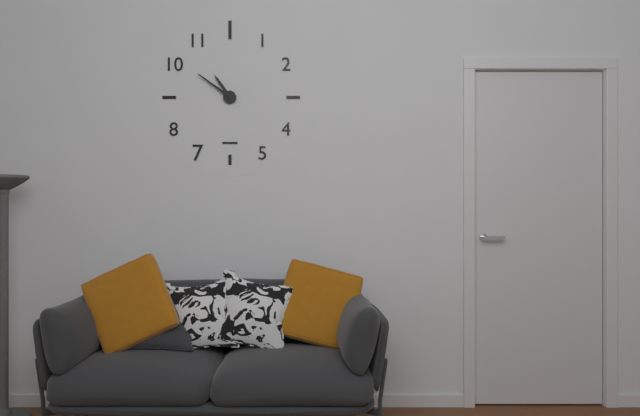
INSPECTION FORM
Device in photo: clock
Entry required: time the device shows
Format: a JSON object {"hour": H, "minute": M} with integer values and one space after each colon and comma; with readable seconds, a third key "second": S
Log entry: {"hour": 10, "minute": 51}
